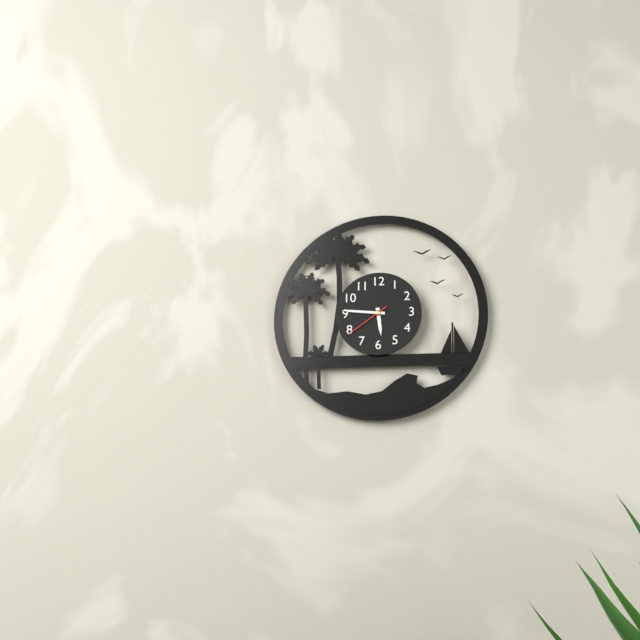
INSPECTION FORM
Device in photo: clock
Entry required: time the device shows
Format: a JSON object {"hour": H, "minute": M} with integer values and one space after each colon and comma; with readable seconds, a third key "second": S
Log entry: {"hour": 5, "minute": 46}
